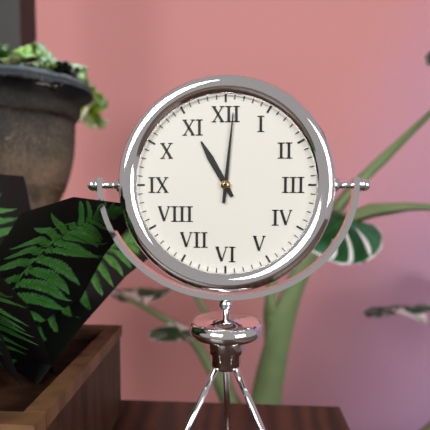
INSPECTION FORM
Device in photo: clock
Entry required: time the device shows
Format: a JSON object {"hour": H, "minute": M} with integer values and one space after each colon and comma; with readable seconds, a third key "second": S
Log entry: {"hour": 11, "minute": 1}
